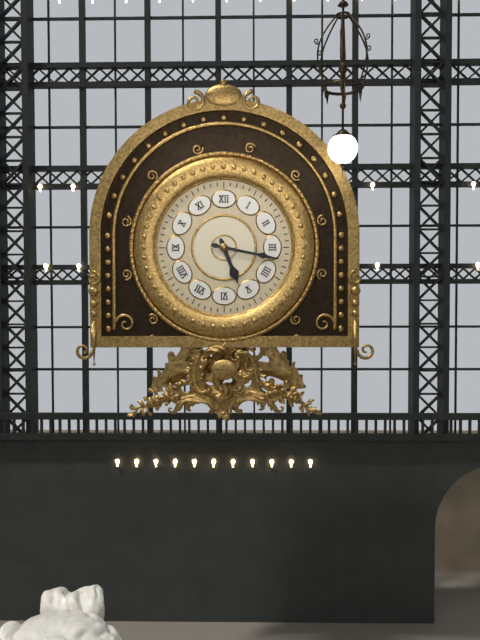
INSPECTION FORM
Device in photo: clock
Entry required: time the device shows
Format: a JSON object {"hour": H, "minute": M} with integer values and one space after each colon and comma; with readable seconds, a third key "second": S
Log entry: {"hour": 5, "minute": 17}
